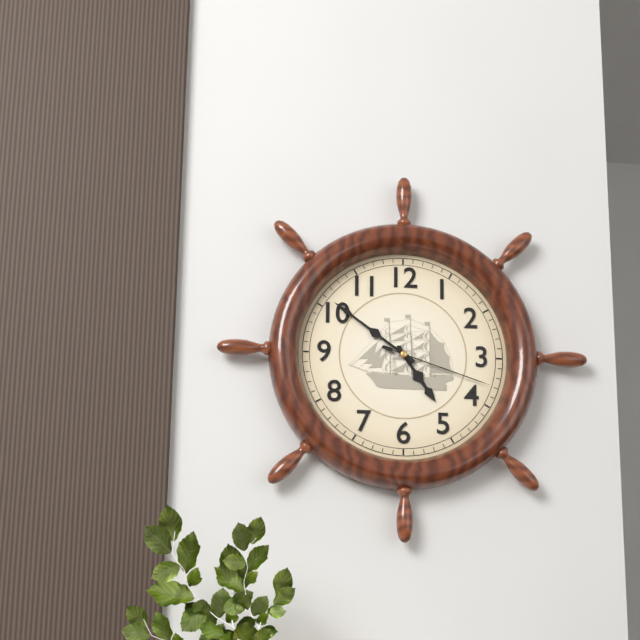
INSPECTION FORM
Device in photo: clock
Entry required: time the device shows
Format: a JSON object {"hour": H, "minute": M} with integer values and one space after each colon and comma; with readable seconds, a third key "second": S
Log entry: {"hour": 4, "minute": 51, "second": 18}
